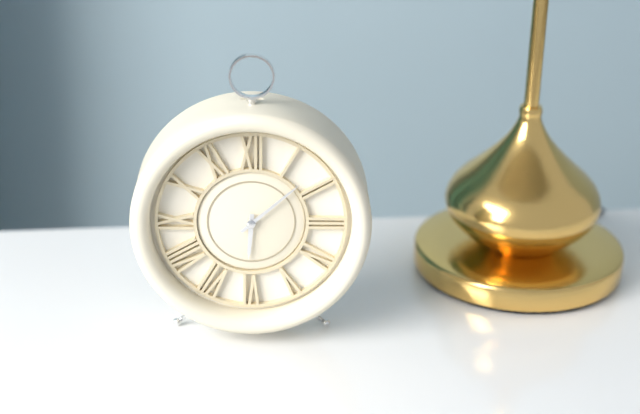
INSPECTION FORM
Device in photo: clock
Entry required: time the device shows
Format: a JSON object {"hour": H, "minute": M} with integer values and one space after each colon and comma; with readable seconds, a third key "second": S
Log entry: {"hour": 6, "minute": 8}
